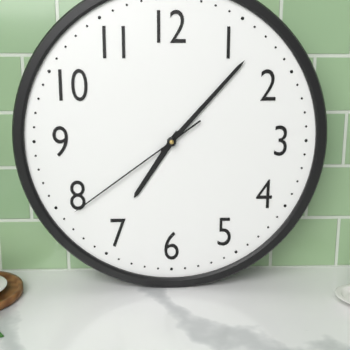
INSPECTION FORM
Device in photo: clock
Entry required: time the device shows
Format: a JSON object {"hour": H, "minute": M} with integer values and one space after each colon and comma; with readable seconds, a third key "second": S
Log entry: {"hour": 7, "minute": 7, "second": 39}
